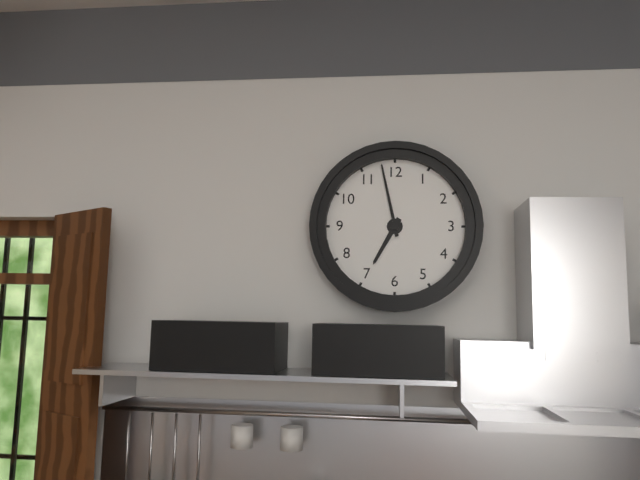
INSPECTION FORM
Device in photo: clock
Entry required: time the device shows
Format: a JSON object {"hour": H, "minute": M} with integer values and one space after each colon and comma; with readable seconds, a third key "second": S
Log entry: {"hour": 6, "minute": 58}
